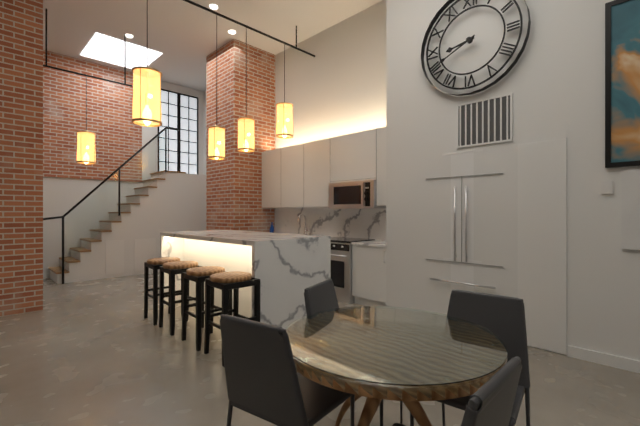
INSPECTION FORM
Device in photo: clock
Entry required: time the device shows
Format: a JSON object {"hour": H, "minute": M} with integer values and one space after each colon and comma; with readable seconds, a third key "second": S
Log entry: {"hour": 8, "minute": 41}
